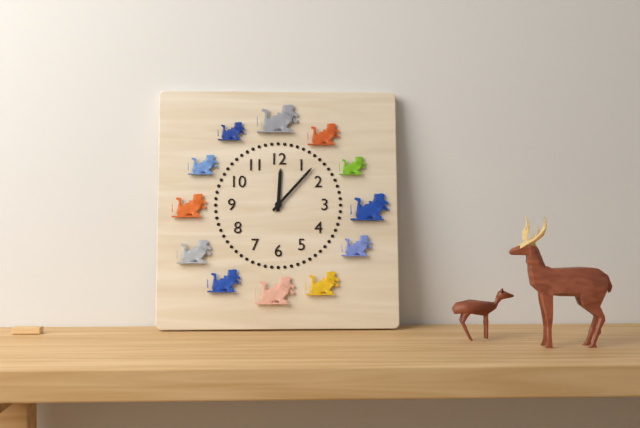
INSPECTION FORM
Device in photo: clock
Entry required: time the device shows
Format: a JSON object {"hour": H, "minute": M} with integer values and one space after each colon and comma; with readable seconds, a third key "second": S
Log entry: {"hour": 12, "minute": 7}
